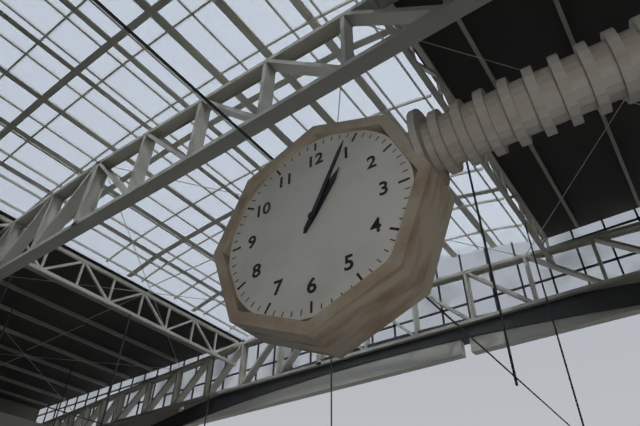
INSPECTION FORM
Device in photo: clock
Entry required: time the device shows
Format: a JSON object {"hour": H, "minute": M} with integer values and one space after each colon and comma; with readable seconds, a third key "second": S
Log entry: {"hour": 1, "minute": 4}
